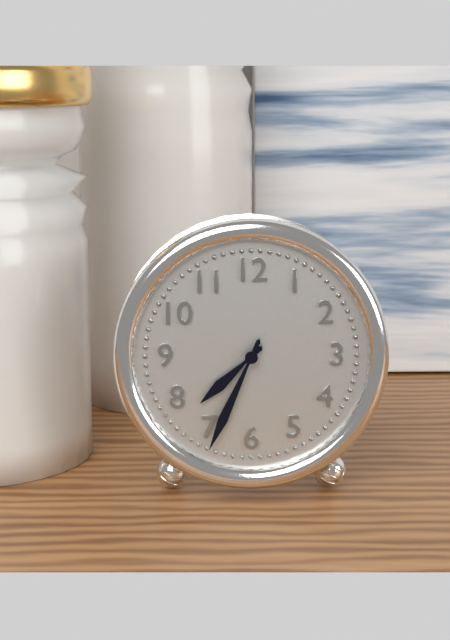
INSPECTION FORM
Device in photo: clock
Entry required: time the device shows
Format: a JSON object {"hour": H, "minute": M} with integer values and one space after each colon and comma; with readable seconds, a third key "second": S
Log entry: {"hour": 7, "minute": 34}
